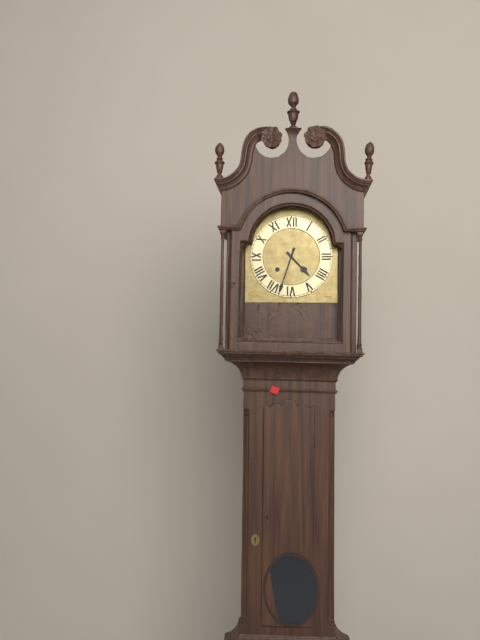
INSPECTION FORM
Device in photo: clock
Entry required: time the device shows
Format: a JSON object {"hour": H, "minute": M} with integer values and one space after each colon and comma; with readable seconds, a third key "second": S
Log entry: {"hour": 4, "minute": 33}
